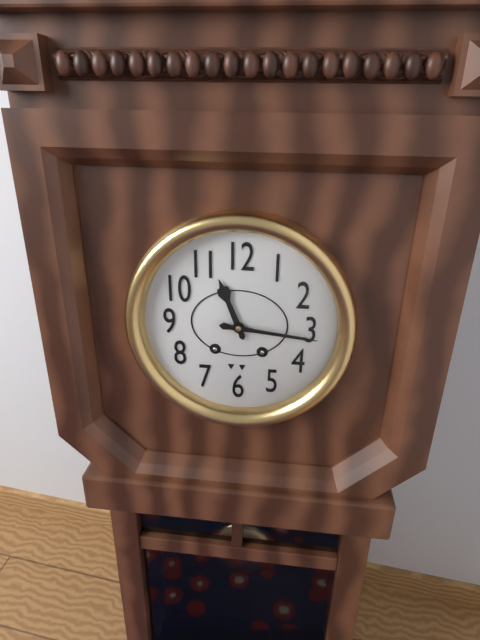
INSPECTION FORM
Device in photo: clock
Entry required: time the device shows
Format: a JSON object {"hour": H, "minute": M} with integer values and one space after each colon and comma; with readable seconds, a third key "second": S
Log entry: {"hour": 11, "minute": 16}
